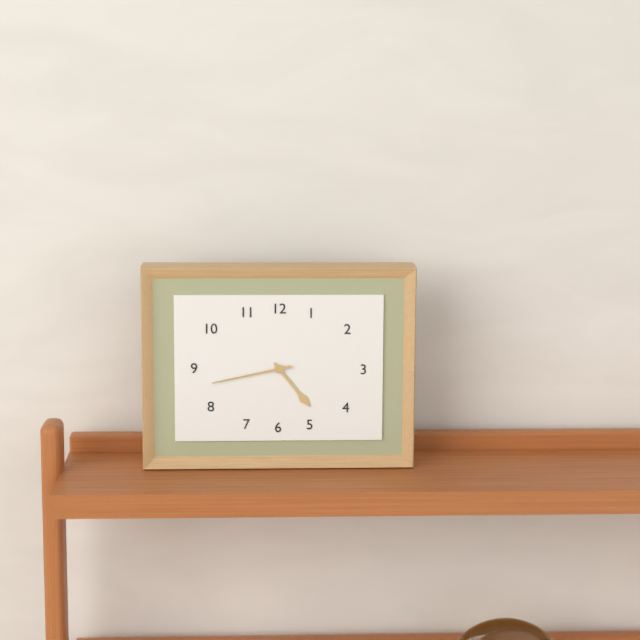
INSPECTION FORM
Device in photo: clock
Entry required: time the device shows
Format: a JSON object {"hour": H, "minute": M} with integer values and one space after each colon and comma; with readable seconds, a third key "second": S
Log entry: {"hour": 4, "minute": 43}
